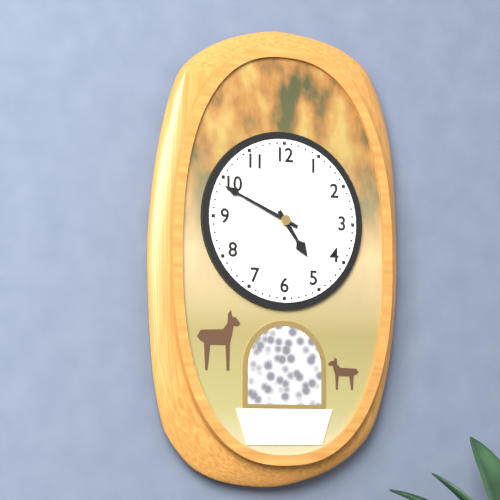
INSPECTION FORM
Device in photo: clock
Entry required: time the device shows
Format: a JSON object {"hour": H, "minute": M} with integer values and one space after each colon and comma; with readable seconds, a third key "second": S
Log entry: {"hour": 4, "minute": 49}
